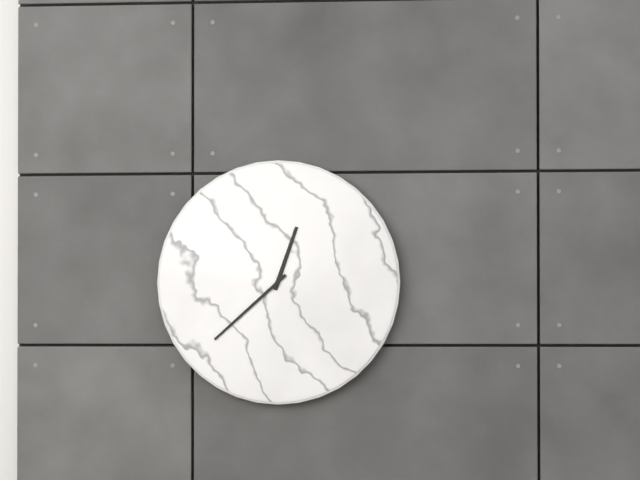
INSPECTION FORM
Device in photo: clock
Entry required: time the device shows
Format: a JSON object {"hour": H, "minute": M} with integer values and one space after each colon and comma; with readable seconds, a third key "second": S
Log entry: {"hour": 12, "minute": 38}
